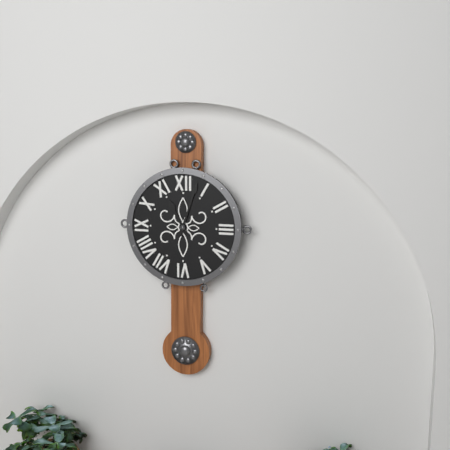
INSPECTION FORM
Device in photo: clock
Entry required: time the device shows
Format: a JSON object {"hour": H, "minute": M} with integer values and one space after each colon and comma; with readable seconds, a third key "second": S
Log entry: {"hour": 11, "minute": 3}
